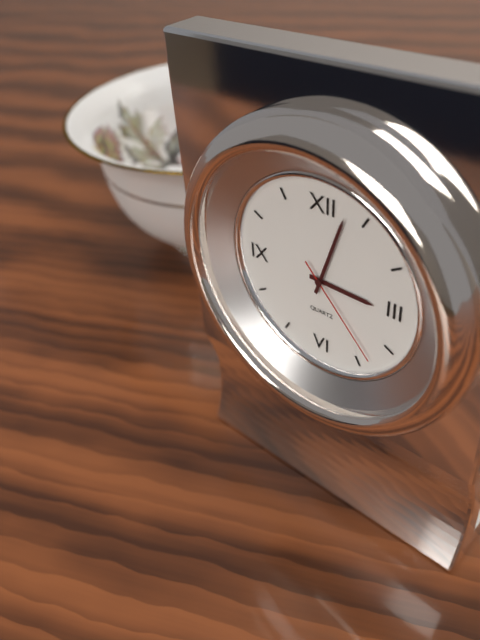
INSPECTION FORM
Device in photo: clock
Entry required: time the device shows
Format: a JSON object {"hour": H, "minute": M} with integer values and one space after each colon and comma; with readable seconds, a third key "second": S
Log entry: {"hour": 3, "minute": 3, "second": 23}
